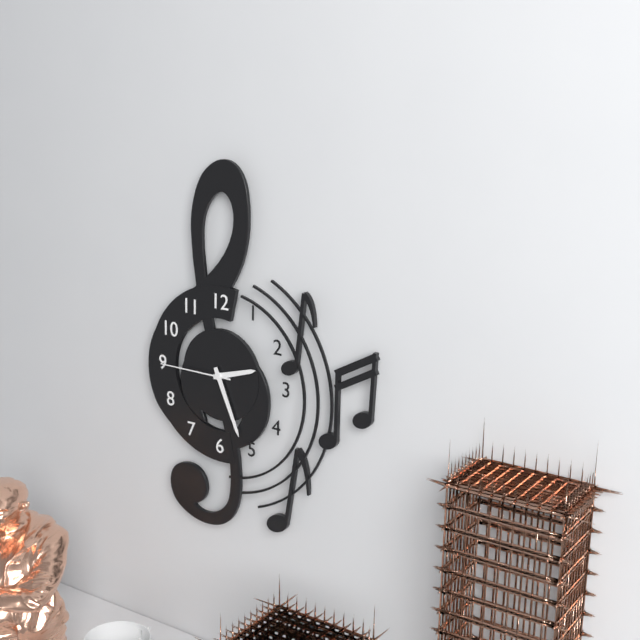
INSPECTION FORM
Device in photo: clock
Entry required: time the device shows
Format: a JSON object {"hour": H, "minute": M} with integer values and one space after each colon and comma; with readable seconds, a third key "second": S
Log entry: {"hour": 2, "minute": 26, "second": 45}
